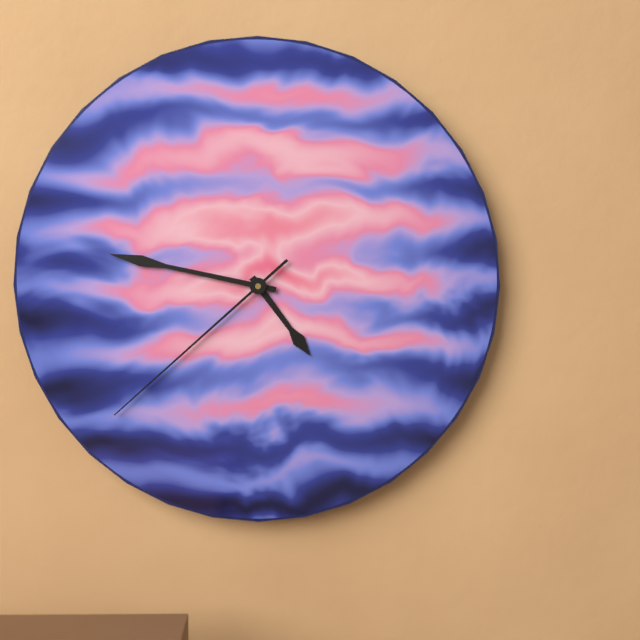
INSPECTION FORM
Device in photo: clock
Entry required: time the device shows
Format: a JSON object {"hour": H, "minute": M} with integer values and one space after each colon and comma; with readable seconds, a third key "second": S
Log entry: {"hour": 4, "minute": 47, "second": 38}
